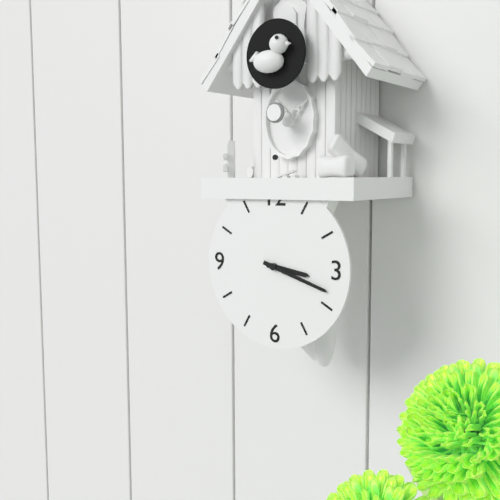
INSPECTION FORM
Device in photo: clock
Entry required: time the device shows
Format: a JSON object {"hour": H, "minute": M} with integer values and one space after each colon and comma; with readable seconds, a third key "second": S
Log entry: {"hour": 3, "minute": 18}
